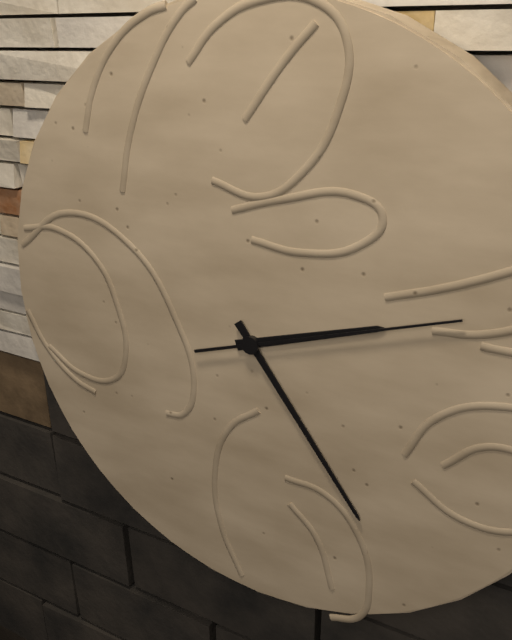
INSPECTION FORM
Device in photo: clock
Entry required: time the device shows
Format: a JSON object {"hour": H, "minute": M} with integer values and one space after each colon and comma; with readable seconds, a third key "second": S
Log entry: {"hour": 2, "minute": 24, "second": 12}
